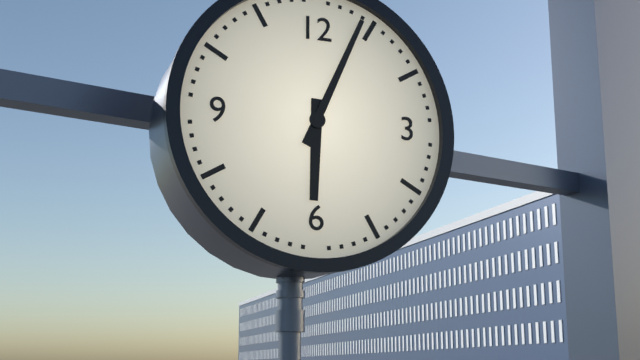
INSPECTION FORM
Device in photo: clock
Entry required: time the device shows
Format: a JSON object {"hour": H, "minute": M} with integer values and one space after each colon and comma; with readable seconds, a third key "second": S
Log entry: {"hour": 6, "minute": 4}
